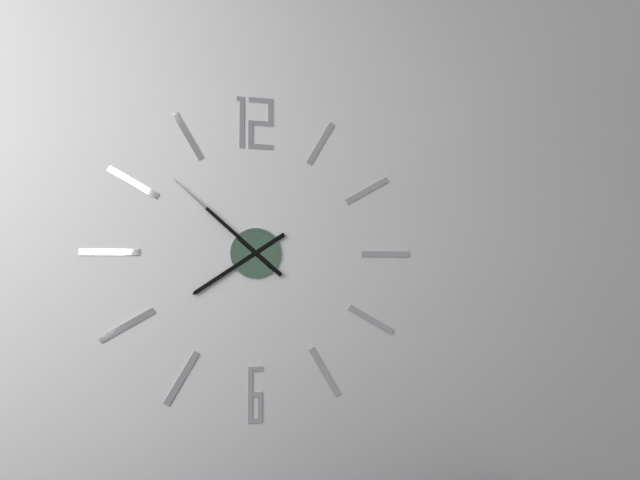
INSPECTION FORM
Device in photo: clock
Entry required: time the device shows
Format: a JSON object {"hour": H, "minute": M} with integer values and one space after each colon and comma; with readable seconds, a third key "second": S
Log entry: {"hour": 7, "minute": 52}
